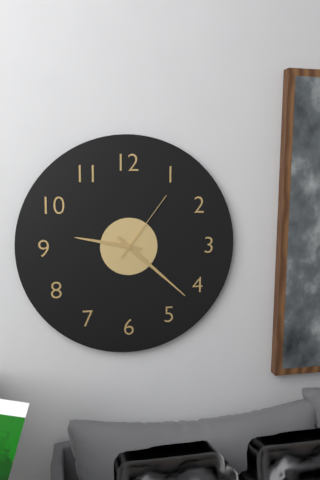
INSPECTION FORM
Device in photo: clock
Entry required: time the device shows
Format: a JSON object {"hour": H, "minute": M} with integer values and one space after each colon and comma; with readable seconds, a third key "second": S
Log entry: {"hour": 9, "minute": 22, "second": 6}
